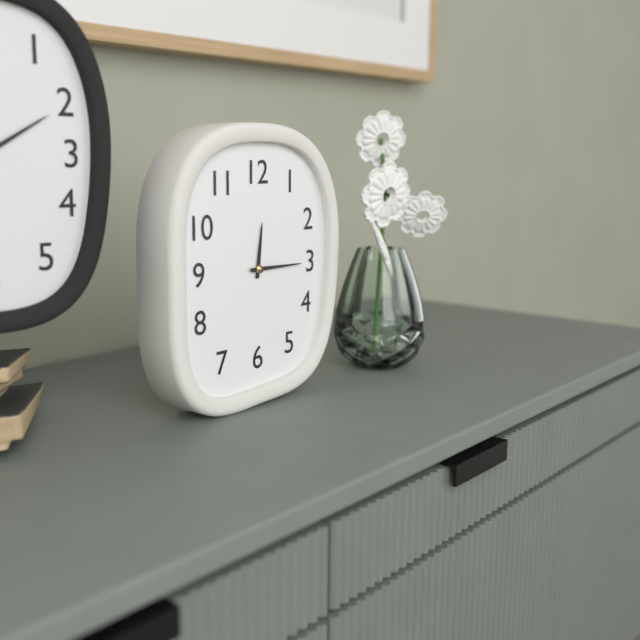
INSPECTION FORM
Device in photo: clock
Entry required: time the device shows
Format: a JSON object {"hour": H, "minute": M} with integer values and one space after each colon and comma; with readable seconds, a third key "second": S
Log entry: {"hour": 12, "minute": 15}
